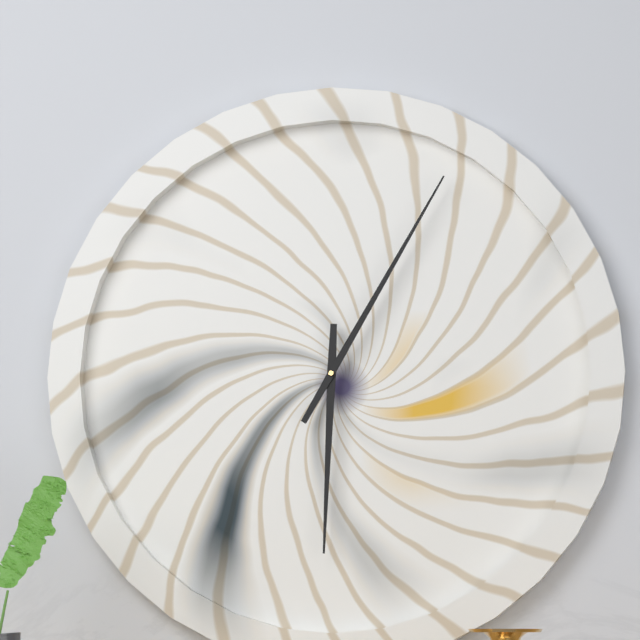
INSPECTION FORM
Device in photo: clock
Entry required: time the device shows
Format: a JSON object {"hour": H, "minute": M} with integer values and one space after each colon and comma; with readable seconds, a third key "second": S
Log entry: {"hour": 6, "minute": 5}
